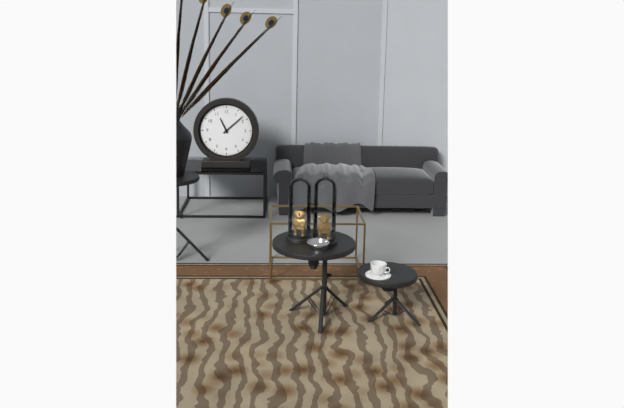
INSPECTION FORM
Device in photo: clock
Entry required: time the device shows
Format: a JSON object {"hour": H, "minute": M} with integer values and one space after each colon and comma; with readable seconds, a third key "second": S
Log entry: {"hour": 11, "minute": 8}
